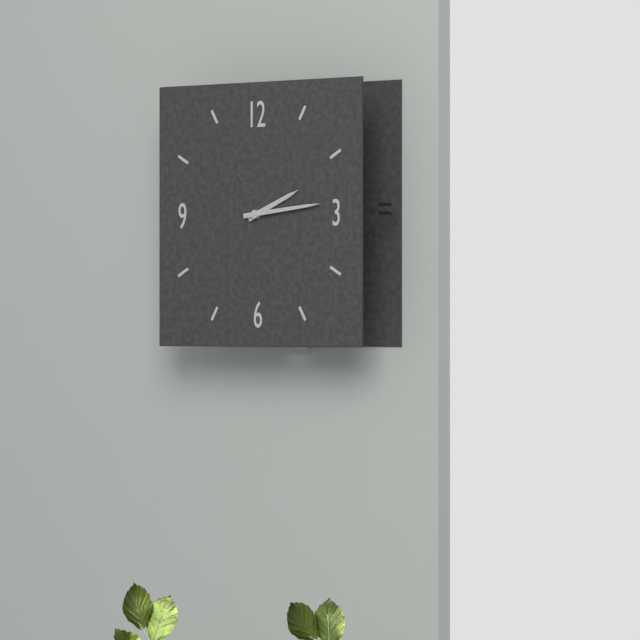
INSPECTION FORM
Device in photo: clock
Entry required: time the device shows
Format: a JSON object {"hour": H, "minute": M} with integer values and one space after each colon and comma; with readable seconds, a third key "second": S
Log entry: {"hour": 2, "minute": 14}
